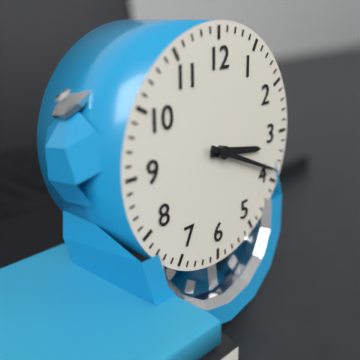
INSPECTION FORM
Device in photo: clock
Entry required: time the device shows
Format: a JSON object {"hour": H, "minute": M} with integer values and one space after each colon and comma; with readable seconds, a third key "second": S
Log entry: {"hour": 3, "minute": 19}
